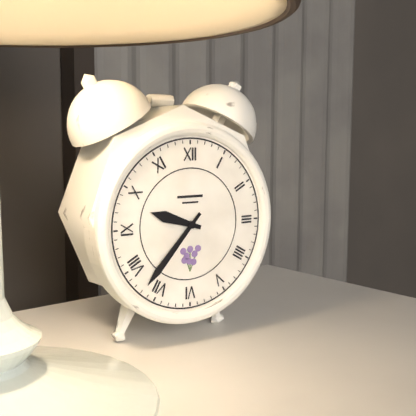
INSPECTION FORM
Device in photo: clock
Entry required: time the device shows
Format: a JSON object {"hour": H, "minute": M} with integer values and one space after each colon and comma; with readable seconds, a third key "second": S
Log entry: {"hour": 9, "minute": 37}
